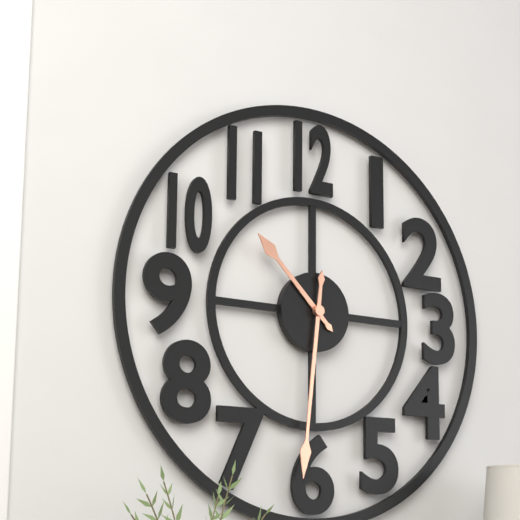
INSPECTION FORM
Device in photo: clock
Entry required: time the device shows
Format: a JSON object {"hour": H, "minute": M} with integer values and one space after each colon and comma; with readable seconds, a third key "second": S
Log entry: {"hour": 10, "minute": 31}
